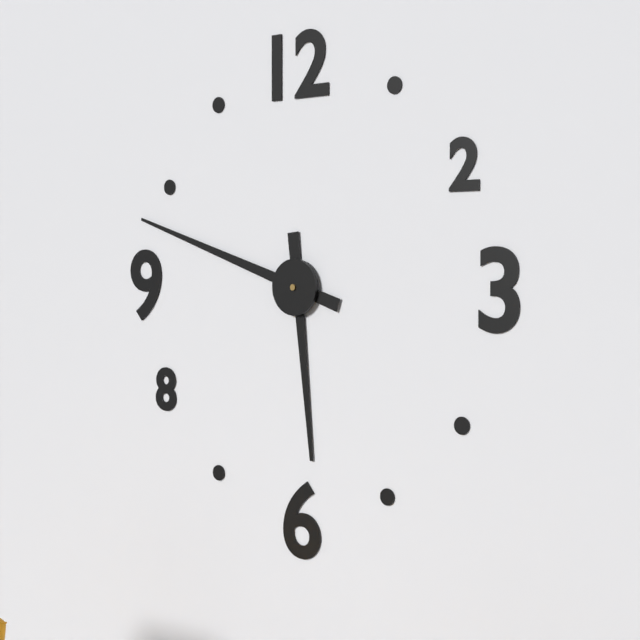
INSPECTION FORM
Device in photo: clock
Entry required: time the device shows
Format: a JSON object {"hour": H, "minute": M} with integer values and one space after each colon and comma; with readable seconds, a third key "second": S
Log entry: {"hour": 5, "minute": 48}
